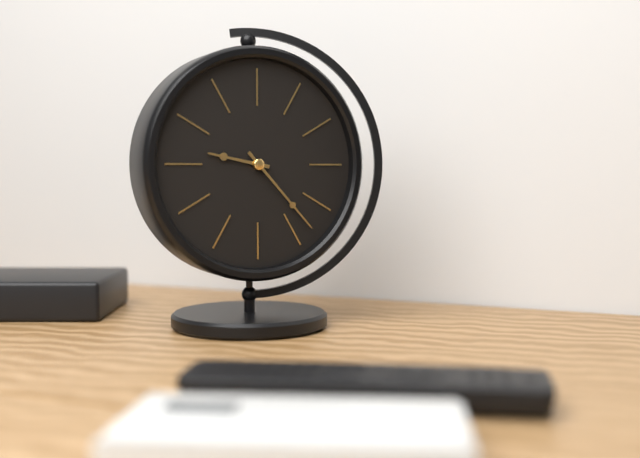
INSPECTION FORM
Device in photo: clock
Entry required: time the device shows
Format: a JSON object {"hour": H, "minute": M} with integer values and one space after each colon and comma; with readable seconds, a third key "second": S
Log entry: {"hour": 9, "minute": 23}
